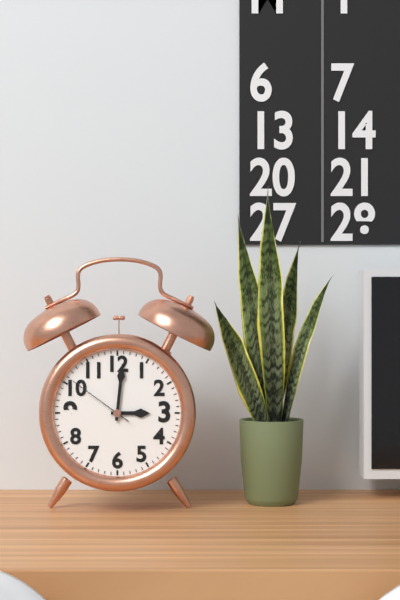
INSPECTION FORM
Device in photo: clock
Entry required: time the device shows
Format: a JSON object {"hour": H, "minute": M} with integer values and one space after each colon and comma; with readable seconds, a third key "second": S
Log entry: {"hour": 3, "minute": 1, "second": 51}
